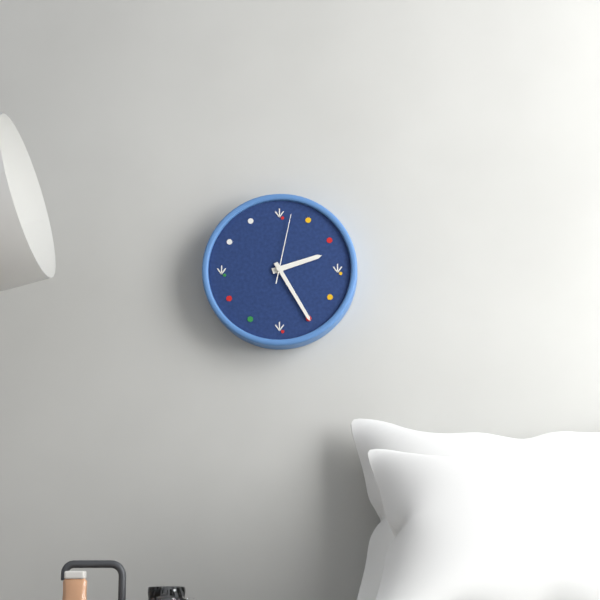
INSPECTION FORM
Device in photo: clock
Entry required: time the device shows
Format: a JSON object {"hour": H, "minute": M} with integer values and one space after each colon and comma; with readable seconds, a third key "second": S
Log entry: {"hour": 2, "minute": 25, "second": 2}
